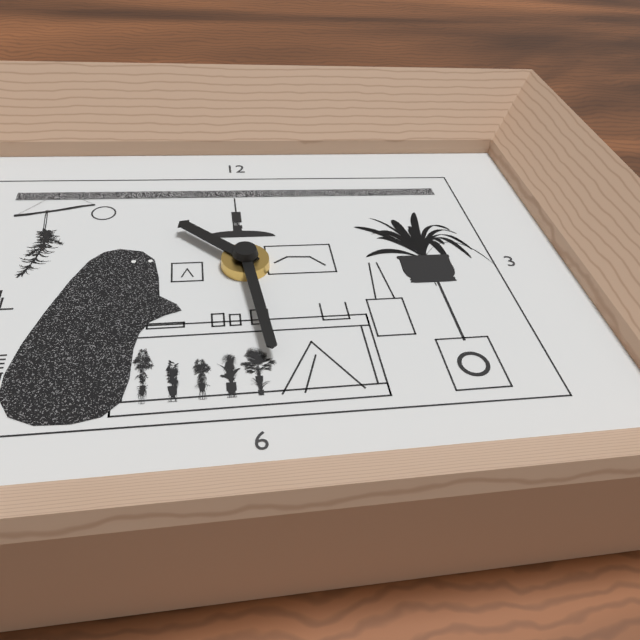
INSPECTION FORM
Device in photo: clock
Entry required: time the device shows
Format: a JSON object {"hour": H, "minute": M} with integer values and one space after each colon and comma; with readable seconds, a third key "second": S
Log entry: {"hour": 10, "minute": 29}
